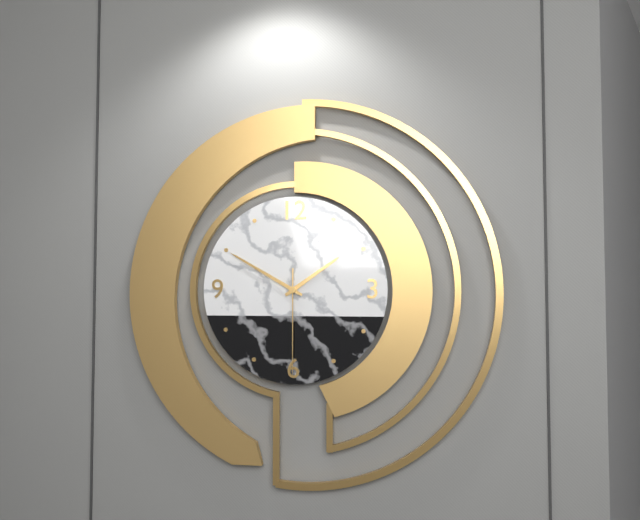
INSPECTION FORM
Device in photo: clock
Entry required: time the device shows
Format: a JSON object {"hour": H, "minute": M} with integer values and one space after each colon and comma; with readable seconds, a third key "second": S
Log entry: {"hour": 1, "minute": 50, "second": 30}
